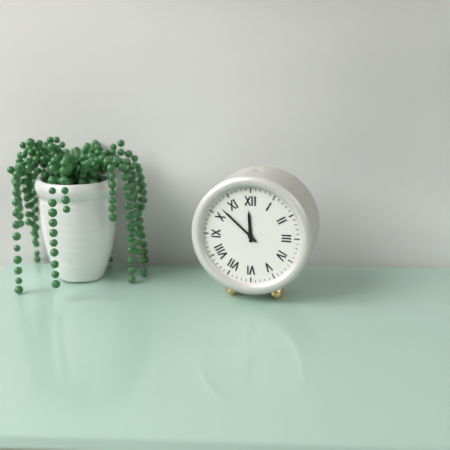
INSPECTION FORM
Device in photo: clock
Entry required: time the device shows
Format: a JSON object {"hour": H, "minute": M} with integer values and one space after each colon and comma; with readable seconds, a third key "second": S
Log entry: {"hour": 11, "minute": 52}
